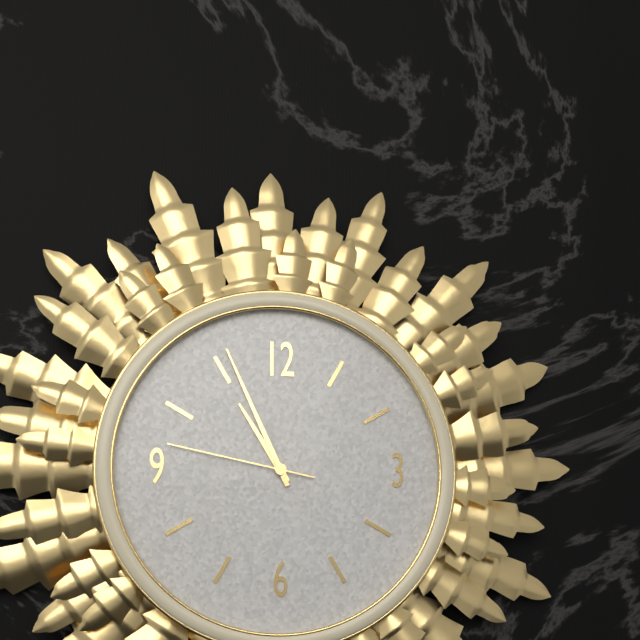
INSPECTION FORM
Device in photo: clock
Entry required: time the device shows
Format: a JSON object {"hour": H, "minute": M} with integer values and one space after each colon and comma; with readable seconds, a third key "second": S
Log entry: {"hour": 10, "minute": 56, "second": 47}
